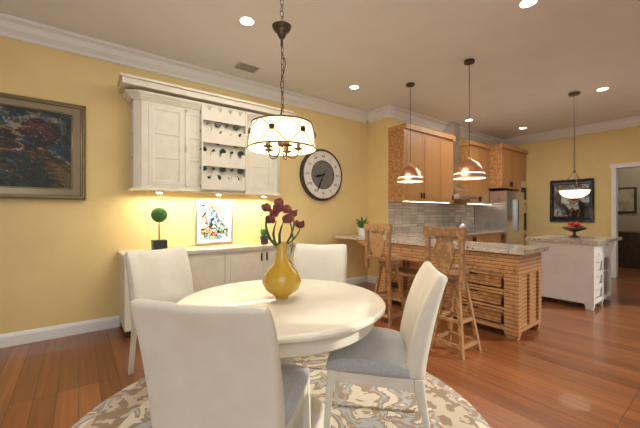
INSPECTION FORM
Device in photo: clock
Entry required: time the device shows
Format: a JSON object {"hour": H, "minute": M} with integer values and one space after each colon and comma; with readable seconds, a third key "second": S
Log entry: {"hour": 8, "minute": 34}
